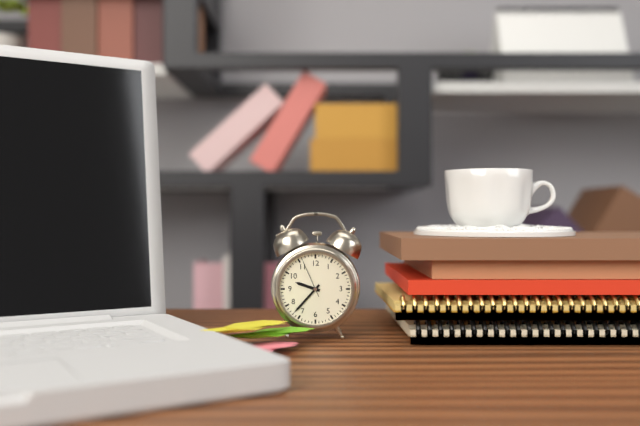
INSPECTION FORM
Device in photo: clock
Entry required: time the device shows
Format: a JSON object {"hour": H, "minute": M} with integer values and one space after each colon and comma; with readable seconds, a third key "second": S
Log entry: {"hour": 9, "minute": 37}
